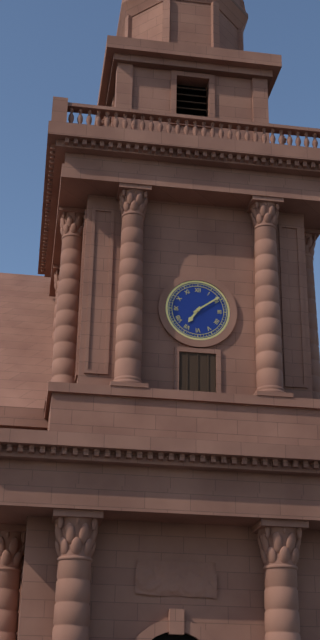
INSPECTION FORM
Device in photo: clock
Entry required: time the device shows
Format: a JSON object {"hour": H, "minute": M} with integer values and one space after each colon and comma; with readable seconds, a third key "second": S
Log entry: {"hour": 7, "minute": 9}
